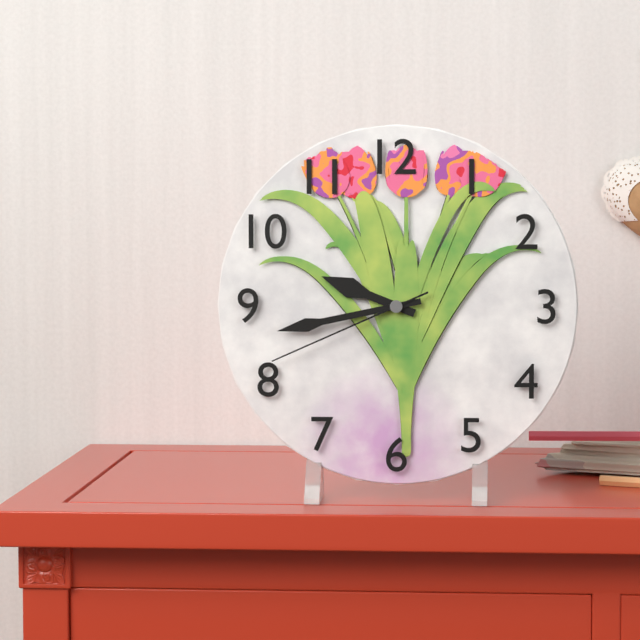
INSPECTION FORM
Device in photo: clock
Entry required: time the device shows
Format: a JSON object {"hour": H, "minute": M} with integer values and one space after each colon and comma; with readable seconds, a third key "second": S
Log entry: {"hour": 9, "minute": 43, "second": 41}
